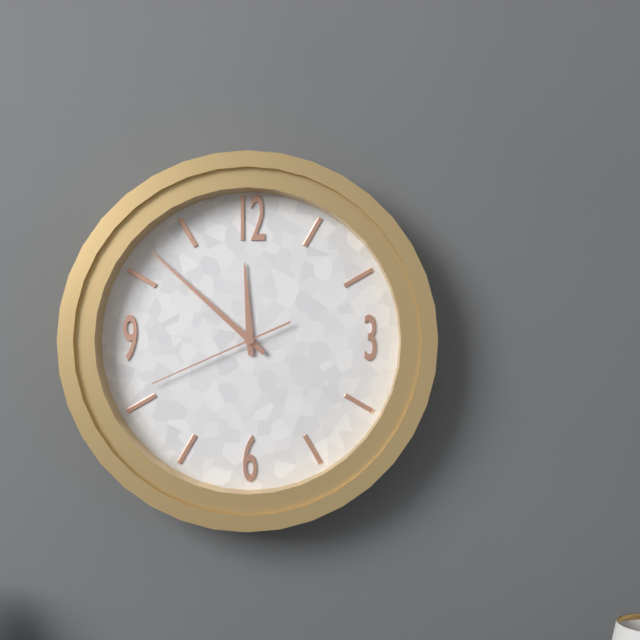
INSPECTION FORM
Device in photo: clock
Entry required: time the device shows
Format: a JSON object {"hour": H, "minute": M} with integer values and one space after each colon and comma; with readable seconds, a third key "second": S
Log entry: {"hour": 11, "minute": 52, "second": 41}
